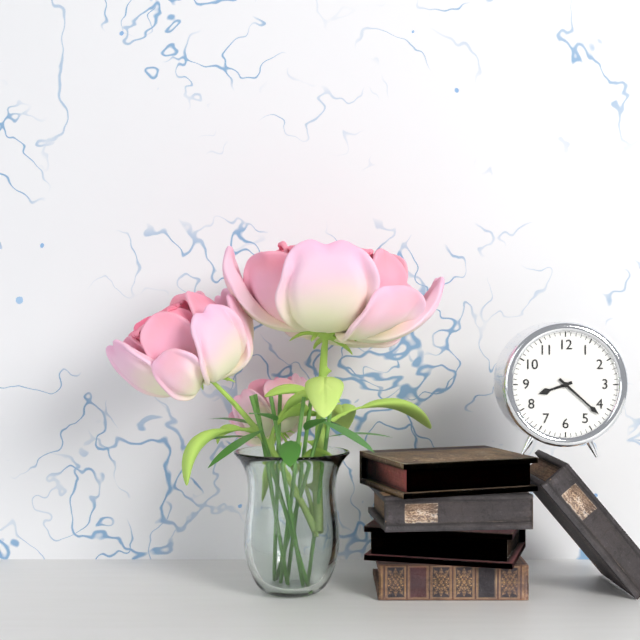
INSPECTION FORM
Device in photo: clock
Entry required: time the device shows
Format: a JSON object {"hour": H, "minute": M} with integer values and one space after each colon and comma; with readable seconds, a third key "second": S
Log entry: {"hour": 8, "minute": 22}
